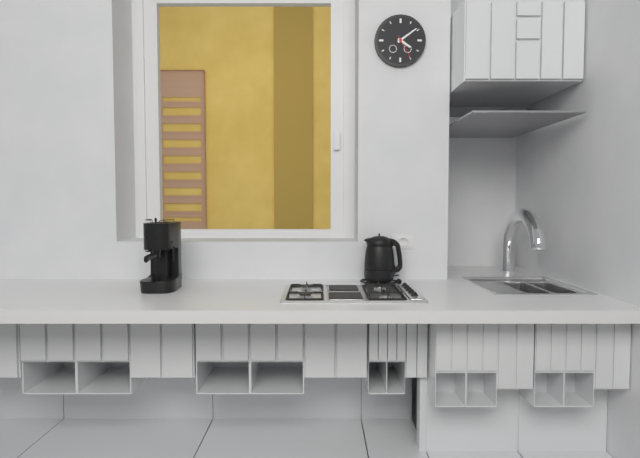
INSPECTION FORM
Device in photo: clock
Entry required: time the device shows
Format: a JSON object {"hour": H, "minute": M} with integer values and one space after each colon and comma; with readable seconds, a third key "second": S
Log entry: {"hour": 4, "minute": 9}
